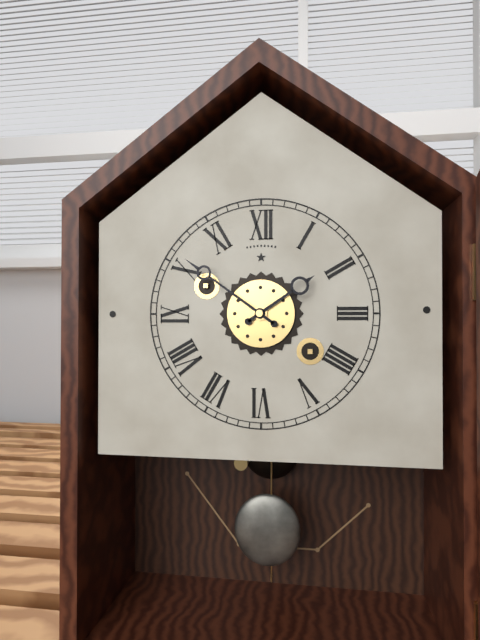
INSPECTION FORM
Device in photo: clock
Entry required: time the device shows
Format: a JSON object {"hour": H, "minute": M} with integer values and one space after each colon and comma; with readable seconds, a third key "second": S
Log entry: {"hour": 1, "minute": 51}
